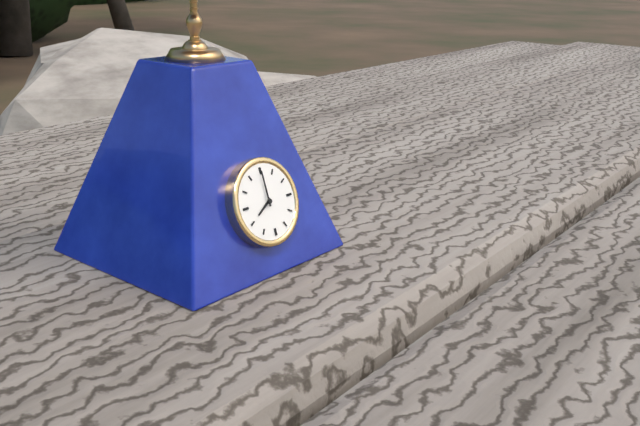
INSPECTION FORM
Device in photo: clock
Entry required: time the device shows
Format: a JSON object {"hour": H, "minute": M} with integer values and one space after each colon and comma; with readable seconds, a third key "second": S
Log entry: {"hour": 8, "minute": 0}
